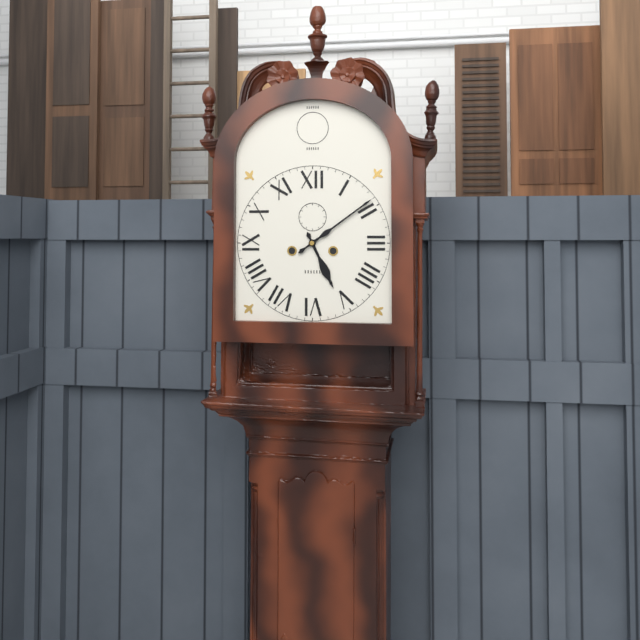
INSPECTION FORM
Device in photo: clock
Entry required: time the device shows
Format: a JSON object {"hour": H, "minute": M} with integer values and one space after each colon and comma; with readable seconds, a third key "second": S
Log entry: {"hour": 5, "minute": 9}
